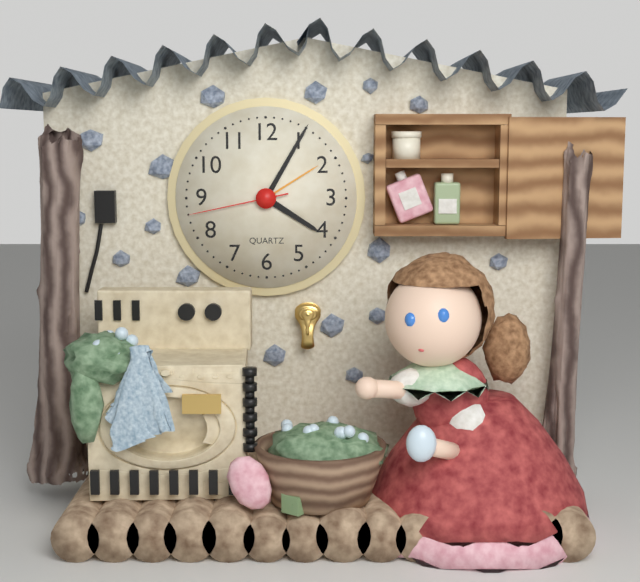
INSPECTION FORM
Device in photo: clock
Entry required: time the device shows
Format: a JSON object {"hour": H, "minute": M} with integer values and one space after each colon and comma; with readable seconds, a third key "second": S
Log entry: {"hour": 4, "minute": 5, "second": 43}
